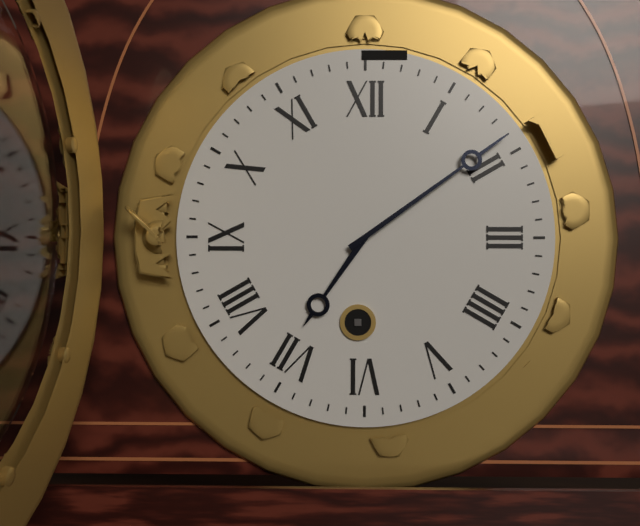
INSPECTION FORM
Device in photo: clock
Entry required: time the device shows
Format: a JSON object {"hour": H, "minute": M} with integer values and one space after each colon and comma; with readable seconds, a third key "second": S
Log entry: {"hour": 7, "minute": 9}
